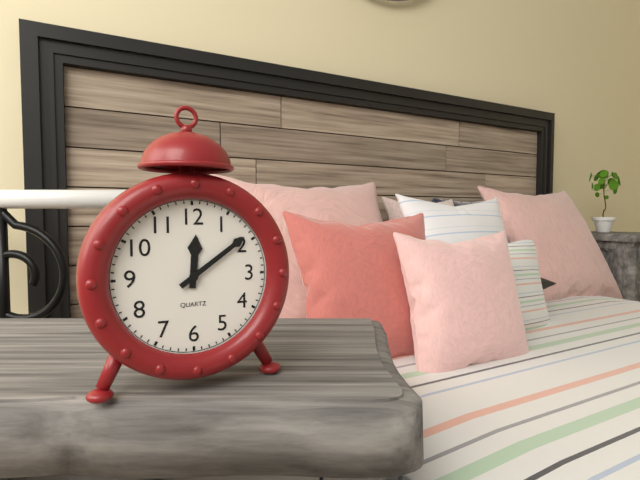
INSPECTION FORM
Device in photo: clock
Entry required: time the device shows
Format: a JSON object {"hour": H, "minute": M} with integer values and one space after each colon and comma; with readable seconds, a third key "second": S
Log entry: {"hour": 12, "minute": 9}
